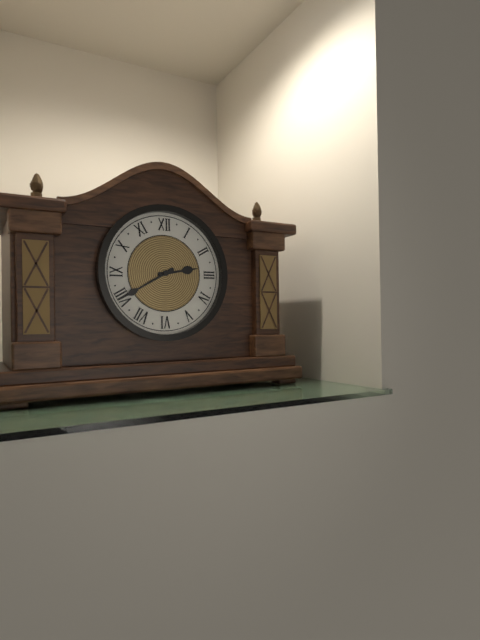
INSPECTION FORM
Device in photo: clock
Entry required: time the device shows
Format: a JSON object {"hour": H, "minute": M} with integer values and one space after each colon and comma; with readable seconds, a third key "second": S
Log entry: {"hour": 2, "minute": 40}
